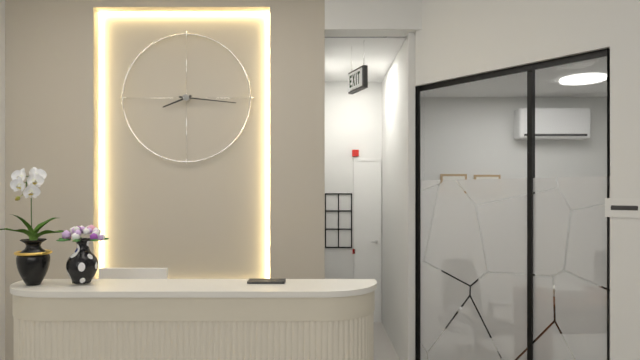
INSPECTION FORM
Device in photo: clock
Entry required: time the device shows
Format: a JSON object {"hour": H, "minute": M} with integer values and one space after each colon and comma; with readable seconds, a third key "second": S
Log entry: {"hour": 8, "minute": 16}
